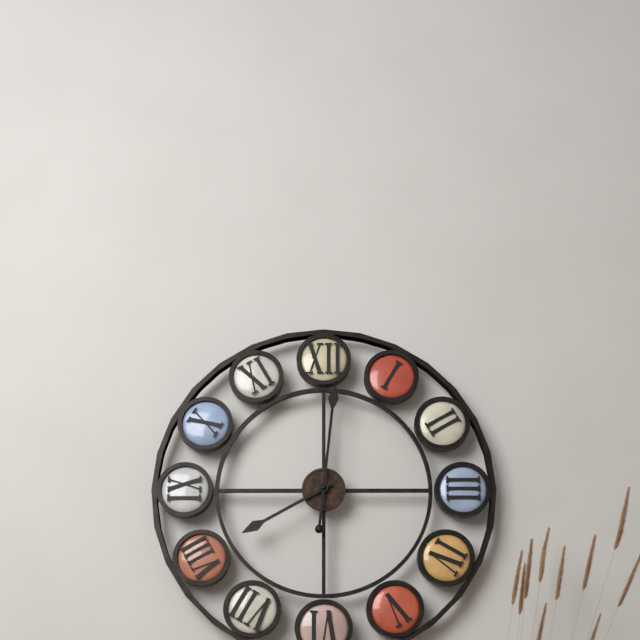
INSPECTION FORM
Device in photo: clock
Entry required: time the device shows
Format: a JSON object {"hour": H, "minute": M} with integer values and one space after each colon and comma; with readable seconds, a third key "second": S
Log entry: {"hour": 8, "minute": 1}
